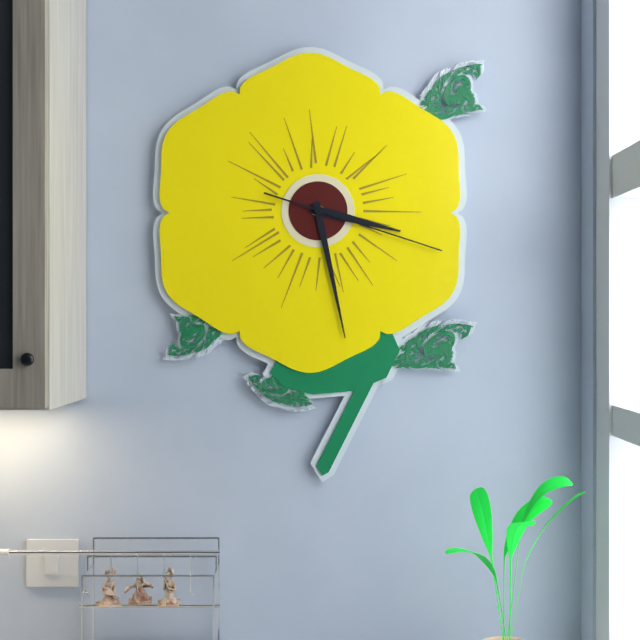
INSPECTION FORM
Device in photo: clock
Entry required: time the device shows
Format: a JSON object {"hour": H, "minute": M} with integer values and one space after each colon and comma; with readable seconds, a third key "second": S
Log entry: {"hour": 3, "minute": 28, "second": 18}
